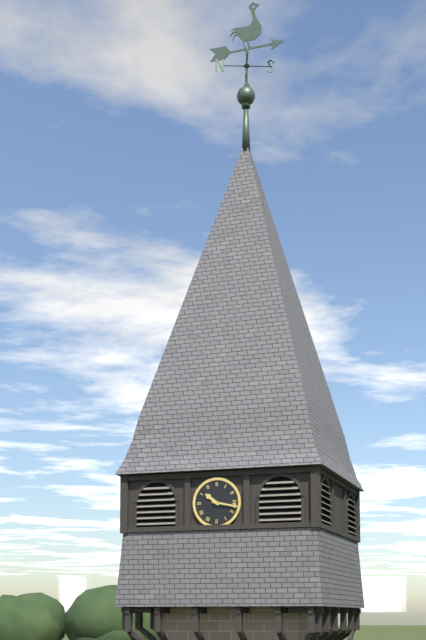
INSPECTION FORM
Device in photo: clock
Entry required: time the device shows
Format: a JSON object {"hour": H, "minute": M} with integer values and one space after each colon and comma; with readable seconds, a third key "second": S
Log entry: {"hour": 10, "minute": 17}
